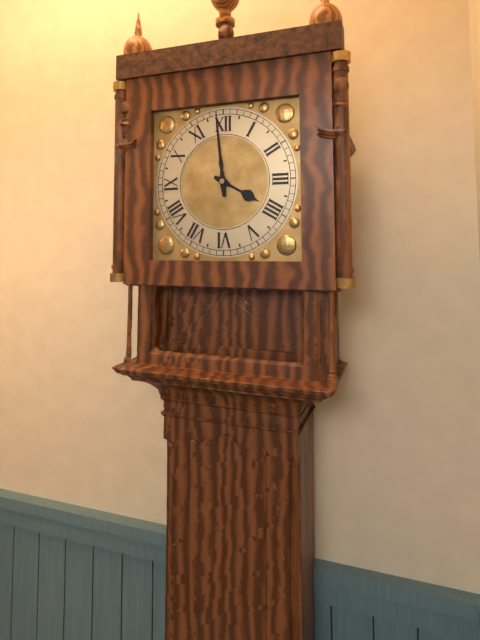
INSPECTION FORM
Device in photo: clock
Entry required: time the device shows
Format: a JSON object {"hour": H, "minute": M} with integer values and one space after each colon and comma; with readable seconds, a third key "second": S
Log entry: {"hour": 3, "minute": 59}
